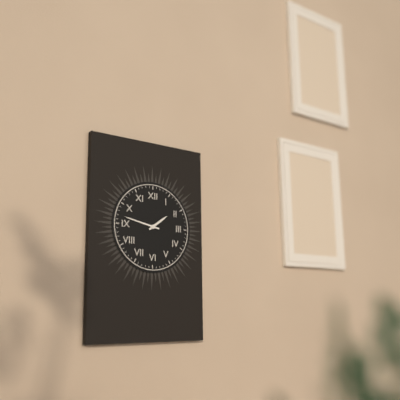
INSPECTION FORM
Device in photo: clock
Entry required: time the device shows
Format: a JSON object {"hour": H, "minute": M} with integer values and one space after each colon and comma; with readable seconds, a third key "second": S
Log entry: {"hour": 1, "minute": 47}
